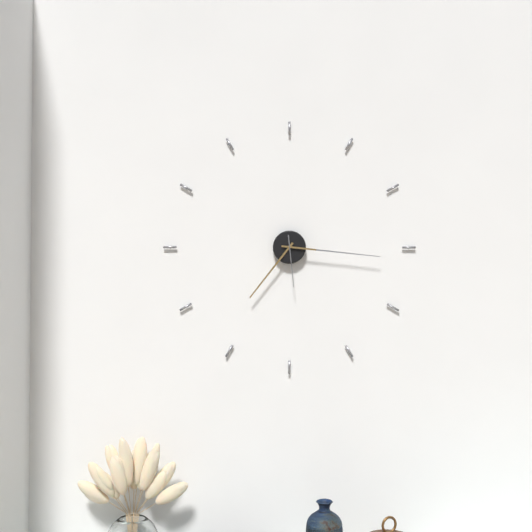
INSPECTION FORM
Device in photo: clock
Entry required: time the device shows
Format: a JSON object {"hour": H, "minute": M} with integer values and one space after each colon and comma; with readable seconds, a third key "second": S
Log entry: {"hour": 7, "minute": 16, "second": 29}
